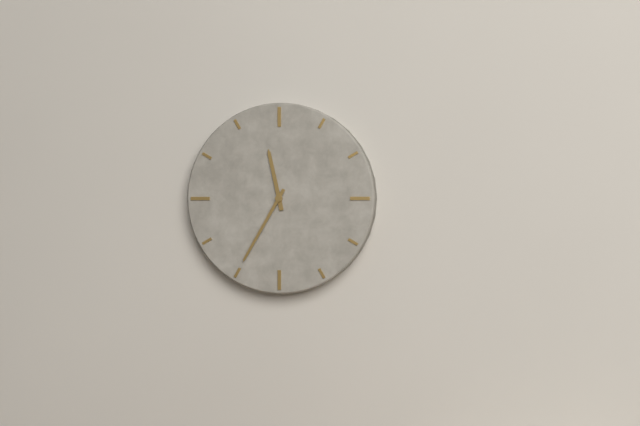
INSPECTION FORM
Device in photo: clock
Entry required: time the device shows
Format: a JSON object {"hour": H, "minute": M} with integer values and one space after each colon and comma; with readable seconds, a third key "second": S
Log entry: {"hour": 11, "minute": 35}
